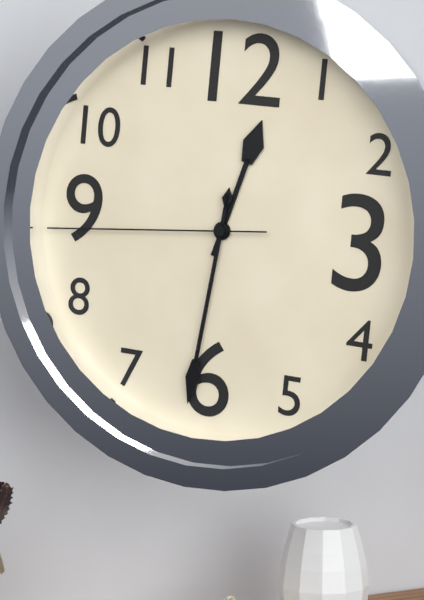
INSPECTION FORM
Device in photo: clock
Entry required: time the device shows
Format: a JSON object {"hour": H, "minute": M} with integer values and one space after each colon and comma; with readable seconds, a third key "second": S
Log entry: {"hour": 12, "minute": 31, "second": 44}
